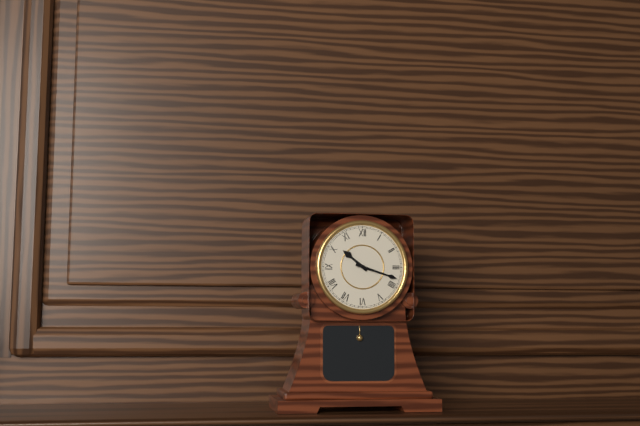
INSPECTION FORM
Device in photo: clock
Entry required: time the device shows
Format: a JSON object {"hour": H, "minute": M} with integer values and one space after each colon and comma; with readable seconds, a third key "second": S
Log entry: {"hour": 10, "minute": 18}
